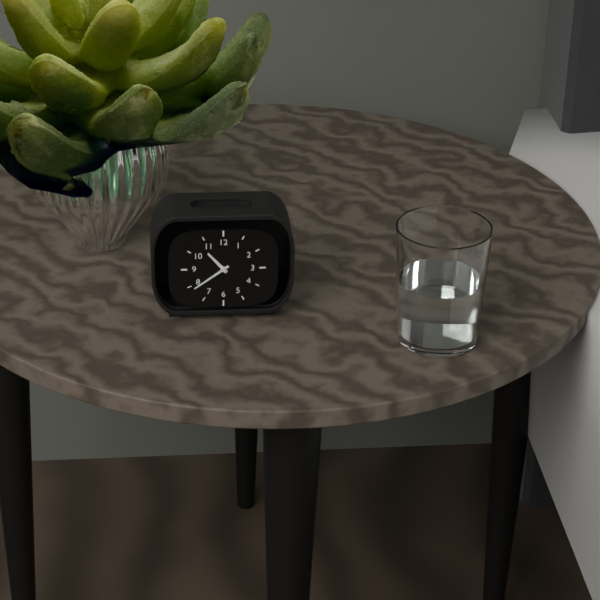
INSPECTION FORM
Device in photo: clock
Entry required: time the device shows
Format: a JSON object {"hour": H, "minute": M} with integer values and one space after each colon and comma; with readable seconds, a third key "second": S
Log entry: {"hour": 10, "minute": 39}
